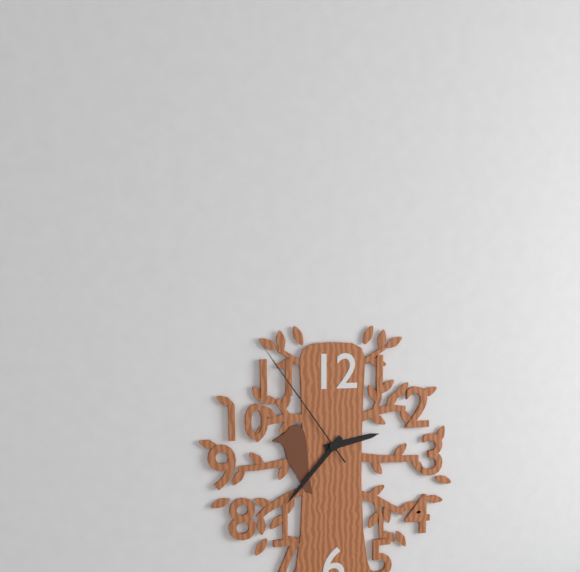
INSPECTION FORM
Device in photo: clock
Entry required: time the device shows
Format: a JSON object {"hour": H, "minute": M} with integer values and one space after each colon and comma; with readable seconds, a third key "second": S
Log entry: {"hour": 2, "minute": 37, "second": 54}
